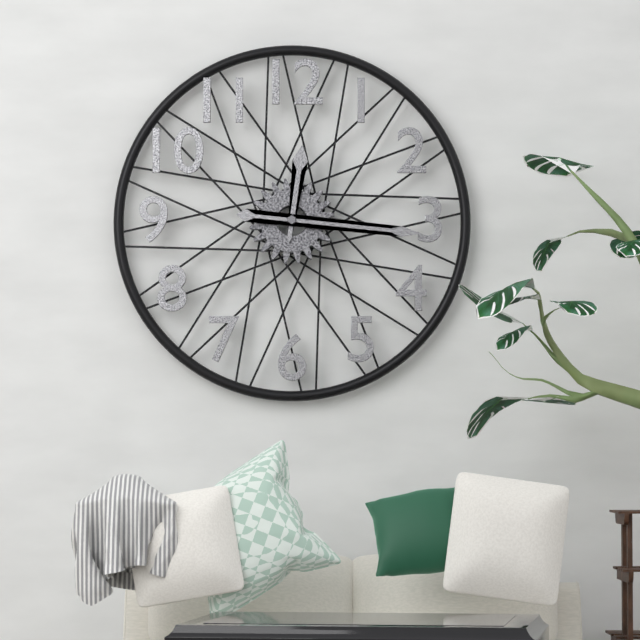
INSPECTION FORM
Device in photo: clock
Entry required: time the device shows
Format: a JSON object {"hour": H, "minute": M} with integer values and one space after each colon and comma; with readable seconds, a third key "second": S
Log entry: {"hour": 12, "minute": 16}
